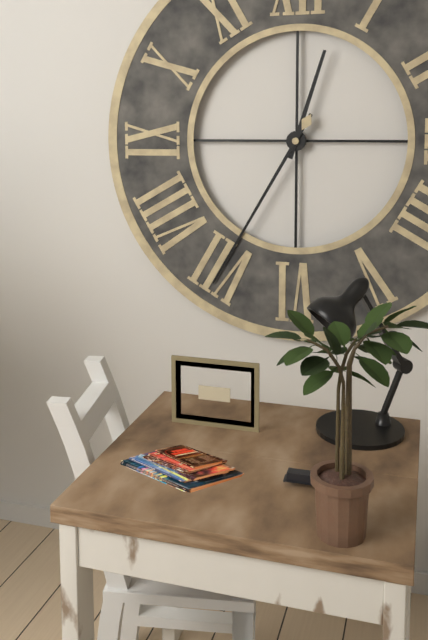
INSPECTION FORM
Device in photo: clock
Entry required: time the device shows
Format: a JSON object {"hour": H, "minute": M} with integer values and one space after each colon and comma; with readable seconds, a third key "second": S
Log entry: {"hour": 12, "minute": 35}
